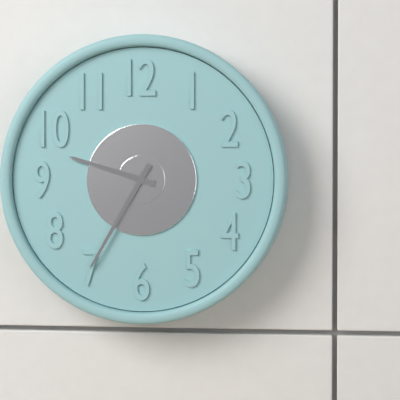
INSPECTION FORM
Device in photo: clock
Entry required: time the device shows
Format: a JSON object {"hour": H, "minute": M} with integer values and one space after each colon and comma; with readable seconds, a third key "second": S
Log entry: {"hour": 9, "minute": 35}
